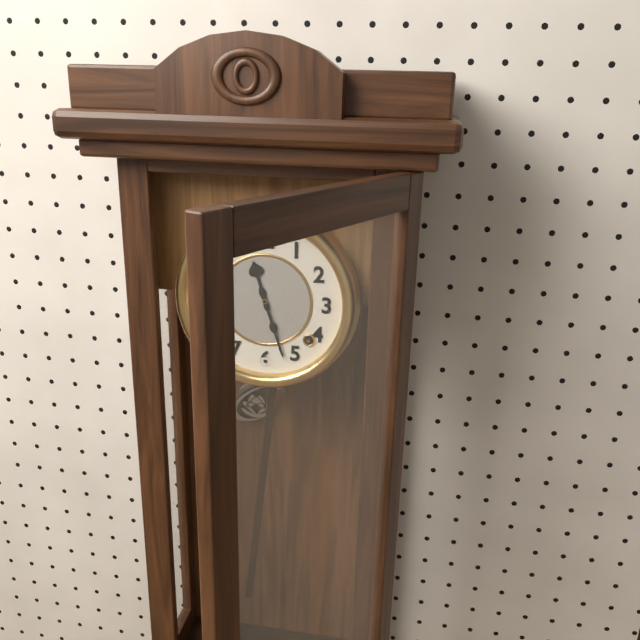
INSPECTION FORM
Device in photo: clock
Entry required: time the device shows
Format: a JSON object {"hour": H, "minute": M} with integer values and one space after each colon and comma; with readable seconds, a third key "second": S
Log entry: {"hour": 11, "minute": 27}
